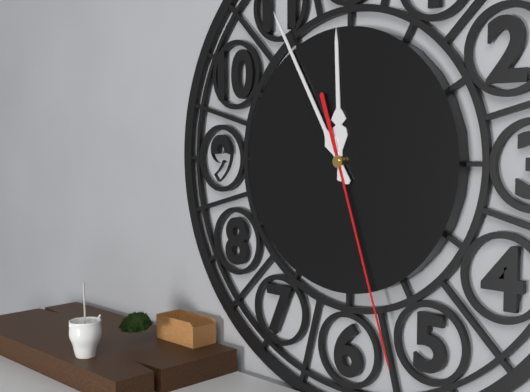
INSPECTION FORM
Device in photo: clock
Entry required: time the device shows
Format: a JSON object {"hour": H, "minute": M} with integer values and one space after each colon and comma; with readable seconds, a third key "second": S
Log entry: {"hour": 11, "minute": 55, "second": 27}
